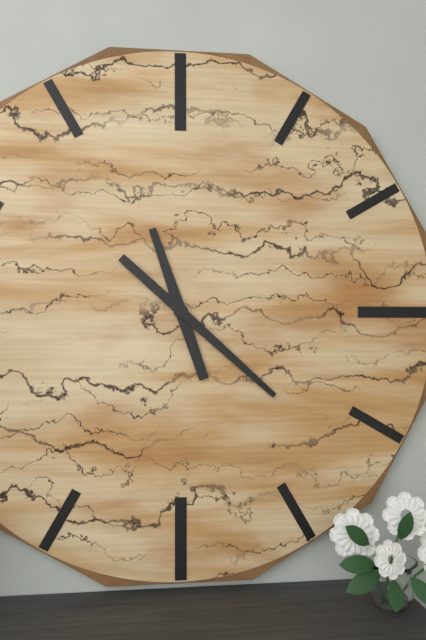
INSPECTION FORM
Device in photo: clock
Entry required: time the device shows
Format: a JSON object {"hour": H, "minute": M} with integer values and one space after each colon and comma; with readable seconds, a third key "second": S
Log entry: {"hour": 11, "minute": 22}
